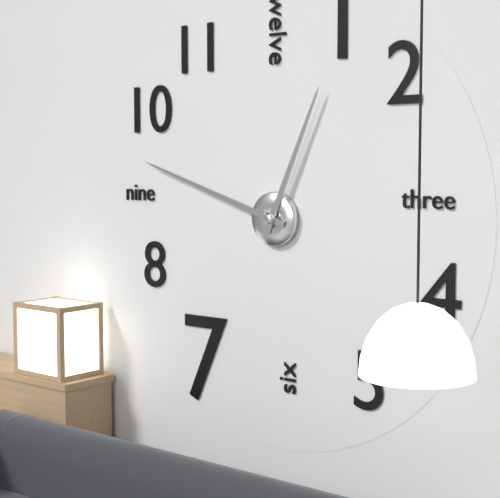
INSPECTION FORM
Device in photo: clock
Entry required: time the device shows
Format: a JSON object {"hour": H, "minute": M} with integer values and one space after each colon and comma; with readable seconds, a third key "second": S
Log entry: {"hour": 12, "minute": 48}
